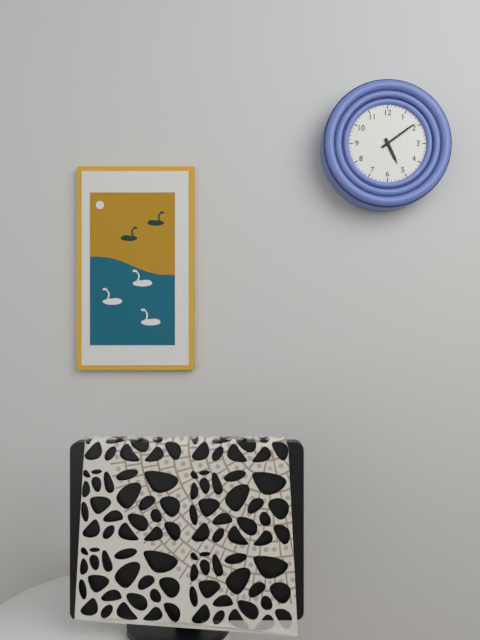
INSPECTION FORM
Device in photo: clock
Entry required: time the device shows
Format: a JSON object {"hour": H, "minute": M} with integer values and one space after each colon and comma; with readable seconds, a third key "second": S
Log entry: {"hour": 5, "minute": 9}
